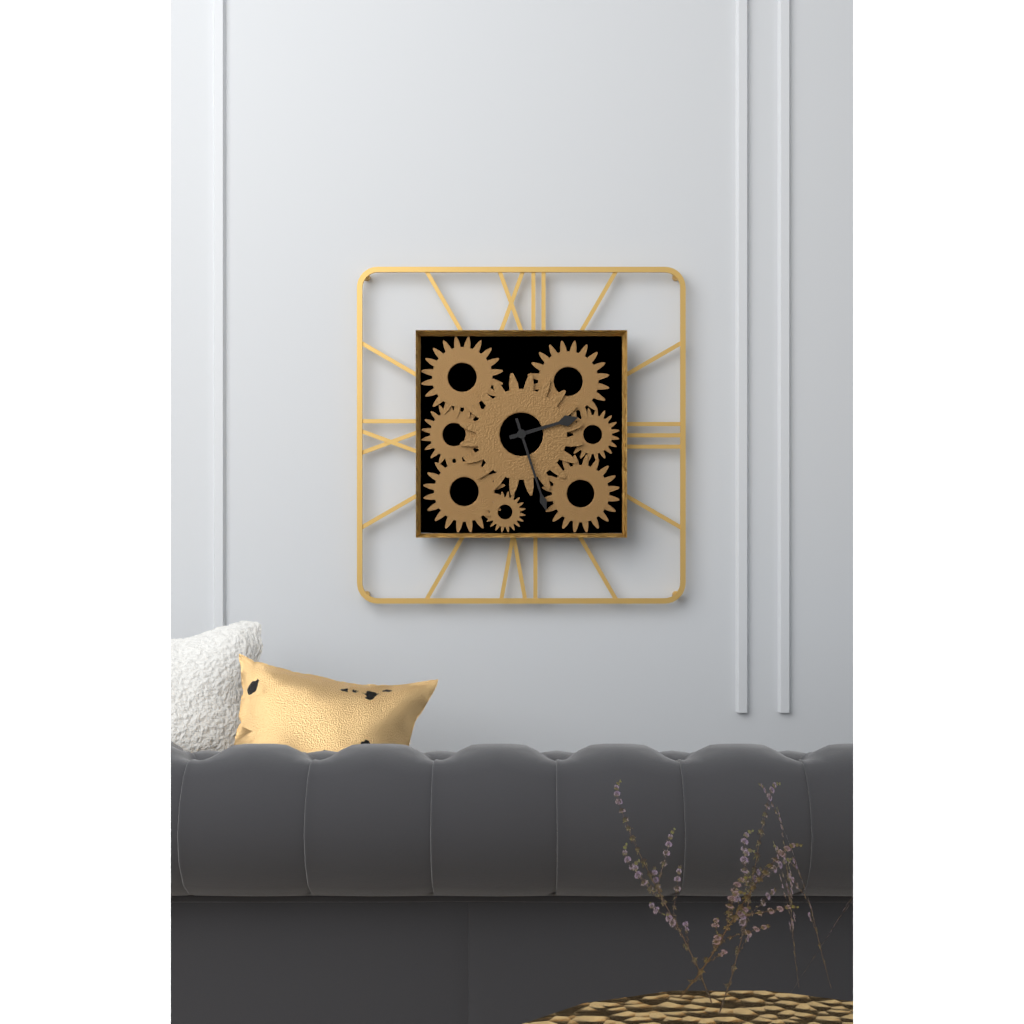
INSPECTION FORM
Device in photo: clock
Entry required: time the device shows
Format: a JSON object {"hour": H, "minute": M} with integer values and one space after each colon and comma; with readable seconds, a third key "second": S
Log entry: {"hour": 2, "minute": 27}
